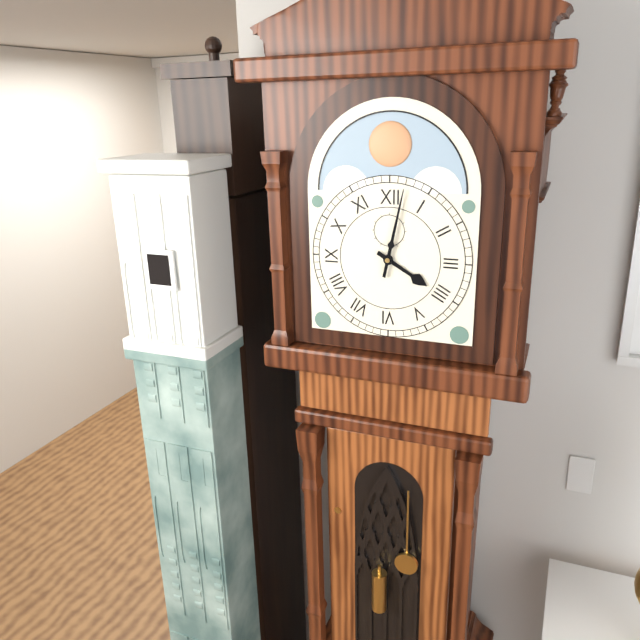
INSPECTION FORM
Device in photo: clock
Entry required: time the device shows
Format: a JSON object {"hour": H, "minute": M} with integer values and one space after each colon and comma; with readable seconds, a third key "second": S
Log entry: {"hour": 4, "minute": 2}
